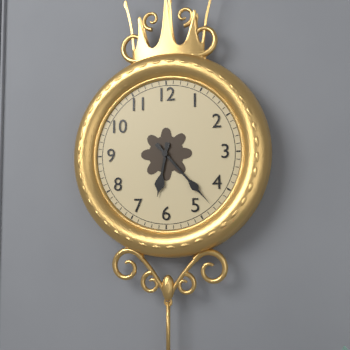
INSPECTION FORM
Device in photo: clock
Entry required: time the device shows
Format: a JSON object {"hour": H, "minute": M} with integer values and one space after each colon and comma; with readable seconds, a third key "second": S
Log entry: {"hour": 6, "minute": 23}
